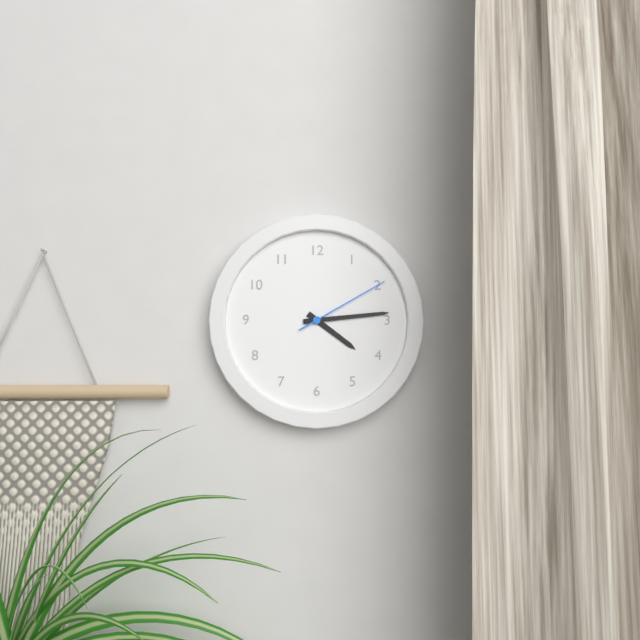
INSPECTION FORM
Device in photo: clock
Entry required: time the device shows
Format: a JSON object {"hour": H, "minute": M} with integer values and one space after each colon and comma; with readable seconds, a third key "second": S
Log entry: {"hour": 4, "minute": 14, "second": 10}
